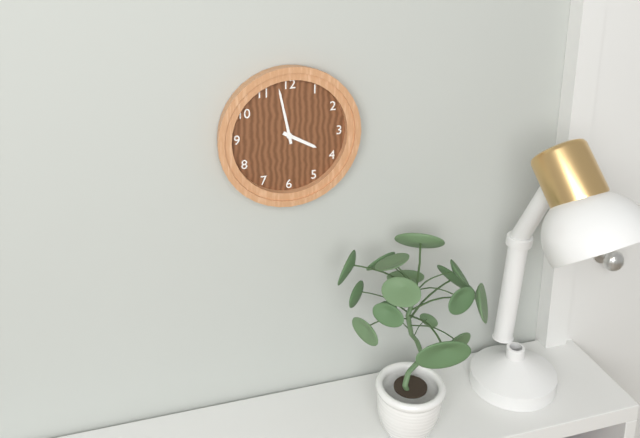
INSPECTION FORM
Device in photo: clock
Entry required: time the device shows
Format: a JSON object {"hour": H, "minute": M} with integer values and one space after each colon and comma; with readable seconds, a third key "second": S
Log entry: {"hour": 3, "minute": 58}
